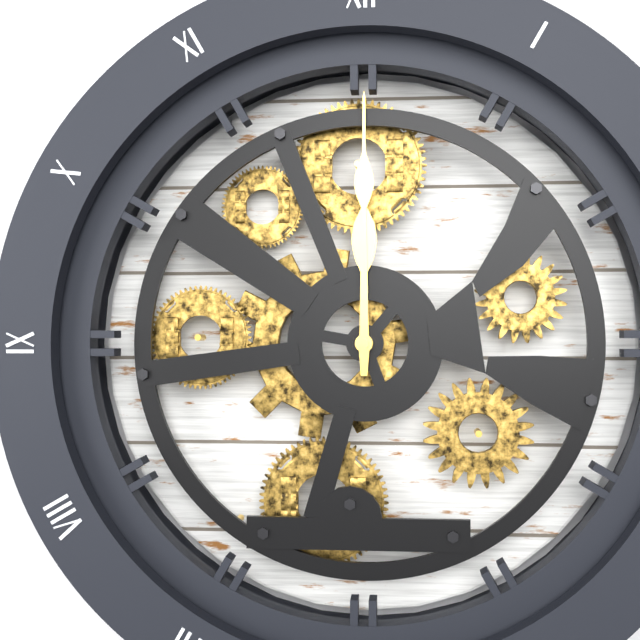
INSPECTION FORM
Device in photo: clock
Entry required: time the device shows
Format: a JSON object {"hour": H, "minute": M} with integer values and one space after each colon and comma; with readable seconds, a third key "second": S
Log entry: {"hour": 12, "minute": 0}
